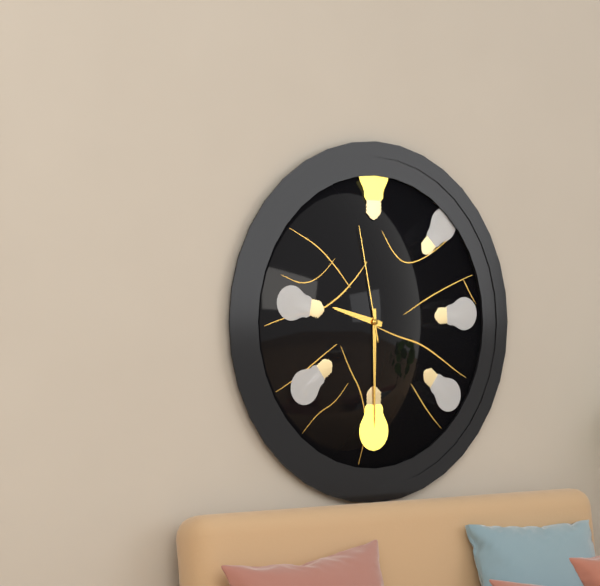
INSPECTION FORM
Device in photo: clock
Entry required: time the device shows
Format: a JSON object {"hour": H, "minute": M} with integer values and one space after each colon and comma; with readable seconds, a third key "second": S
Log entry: {"hour": 9, "minute": 30, "second": 58}
